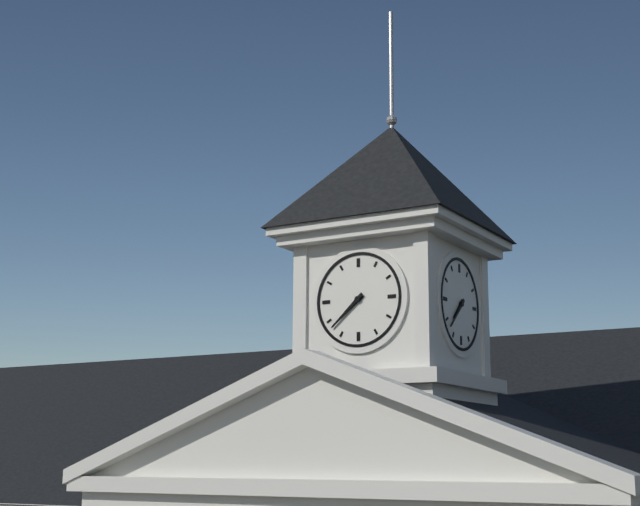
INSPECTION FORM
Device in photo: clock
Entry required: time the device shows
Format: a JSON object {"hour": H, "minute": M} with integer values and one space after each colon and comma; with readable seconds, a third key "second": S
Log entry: {"hour": 7, "minute": 38}
